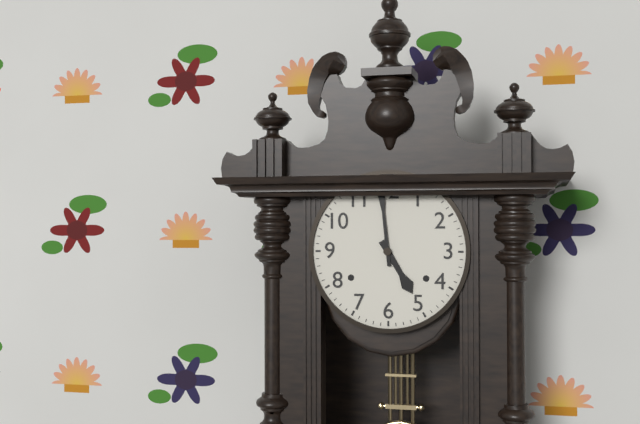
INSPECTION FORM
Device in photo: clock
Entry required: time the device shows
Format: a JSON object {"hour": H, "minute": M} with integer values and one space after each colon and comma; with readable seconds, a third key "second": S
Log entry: {"hour": 4, "minute": 59}
